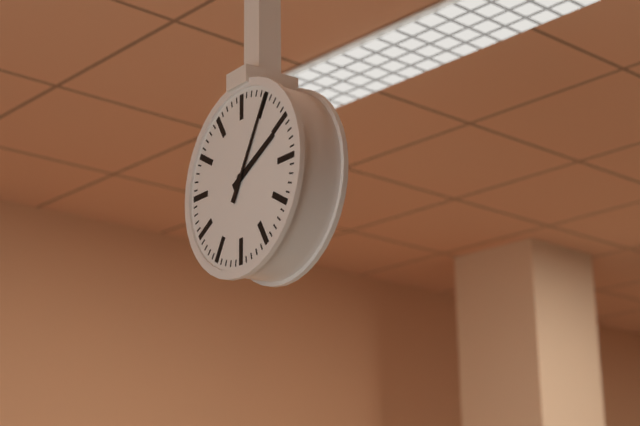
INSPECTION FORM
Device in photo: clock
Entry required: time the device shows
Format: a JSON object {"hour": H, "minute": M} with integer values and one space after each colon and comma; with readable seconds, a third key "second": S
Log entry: {"hour": 2, "minute": 5}
